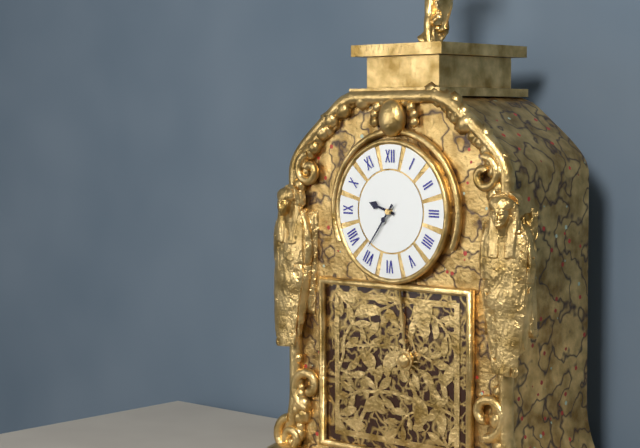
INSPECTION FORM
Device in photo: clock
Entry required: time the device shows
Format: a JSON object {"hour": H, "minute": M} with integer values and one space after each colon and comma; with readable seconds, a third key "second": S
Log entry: {"hour": 9, "minute": 36}
